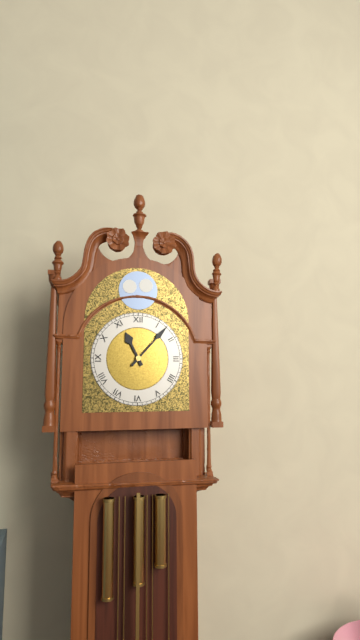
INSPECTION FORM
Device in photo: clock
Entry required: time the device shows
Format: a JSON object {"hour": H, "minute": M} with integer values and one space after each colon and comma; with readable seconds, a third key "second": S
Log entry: {"hour": 11, "minute": 7}
